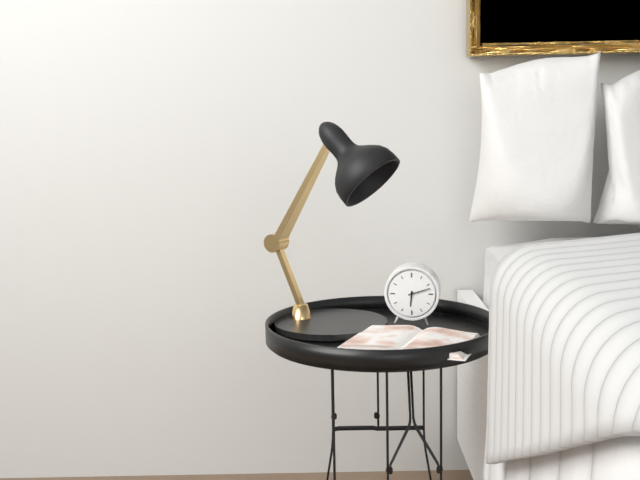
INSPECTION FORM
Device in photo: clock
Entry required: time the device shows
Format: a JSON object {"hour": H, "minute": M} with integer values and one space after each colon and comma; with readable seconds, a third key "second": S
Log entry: {"hour": 6, "minute": 12}
